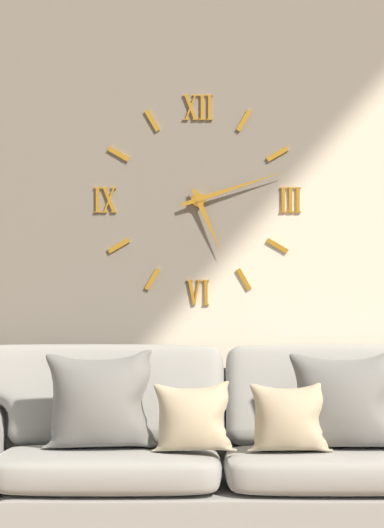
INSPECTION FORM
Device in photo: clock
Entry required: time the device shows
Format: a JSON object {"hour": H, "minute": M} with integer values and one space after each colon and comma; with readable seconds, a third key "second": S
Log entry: {"hour": 5, "minute": 12}
